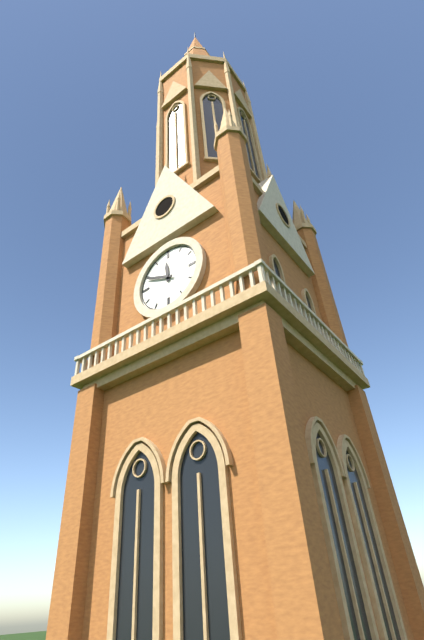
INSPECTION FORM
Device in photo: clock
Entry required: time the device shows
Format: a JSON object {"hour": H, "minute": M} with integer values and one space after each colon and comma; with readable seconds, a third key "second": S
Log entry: {"hour": 11, "minute": 49}
